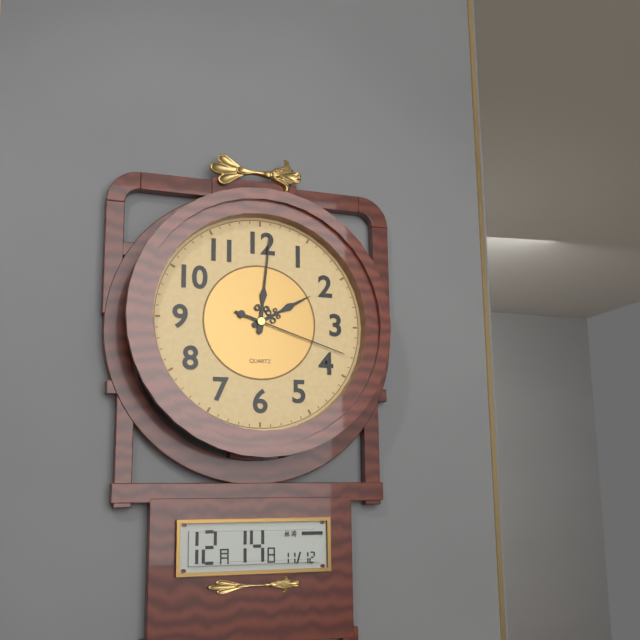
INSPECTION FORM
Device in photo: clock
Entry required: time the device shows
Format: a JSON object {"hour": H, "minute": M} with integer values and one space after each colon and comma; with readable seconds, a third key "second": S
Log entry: {"hour": 2, "minute": 1, "second": 18}
